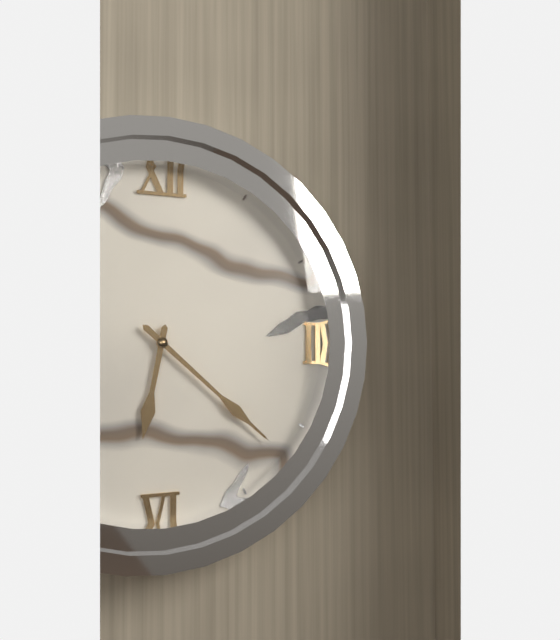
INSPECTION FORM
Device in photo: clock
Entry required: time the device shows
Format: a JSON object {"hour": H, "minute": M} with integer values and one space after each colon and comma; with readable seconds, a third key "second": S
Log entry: {"hour": 6, "minute": 22}
